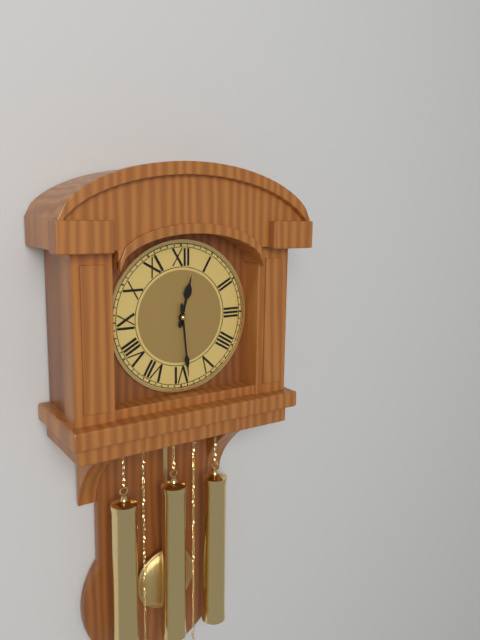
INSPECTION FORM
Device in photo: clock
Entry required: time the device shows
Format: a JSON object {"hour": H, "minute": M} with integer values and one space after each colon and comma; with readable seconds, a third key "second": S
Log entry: {"hour": 12, "minute": 29}
